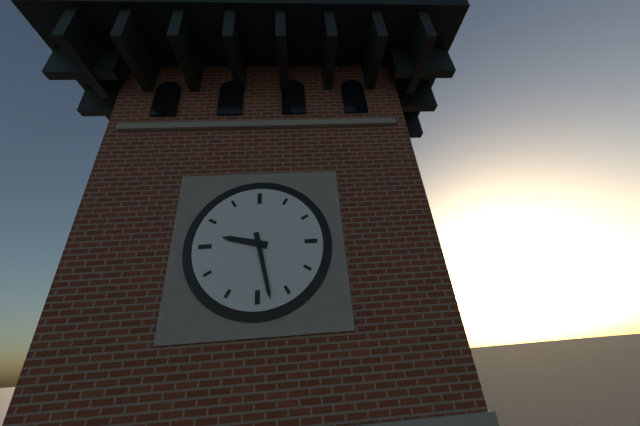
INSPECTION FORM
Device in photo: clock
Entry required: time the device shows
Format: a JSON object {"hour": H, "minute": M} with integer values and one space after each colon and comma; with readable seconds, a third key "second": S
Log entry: {"hour": 9, "minute": 28}
